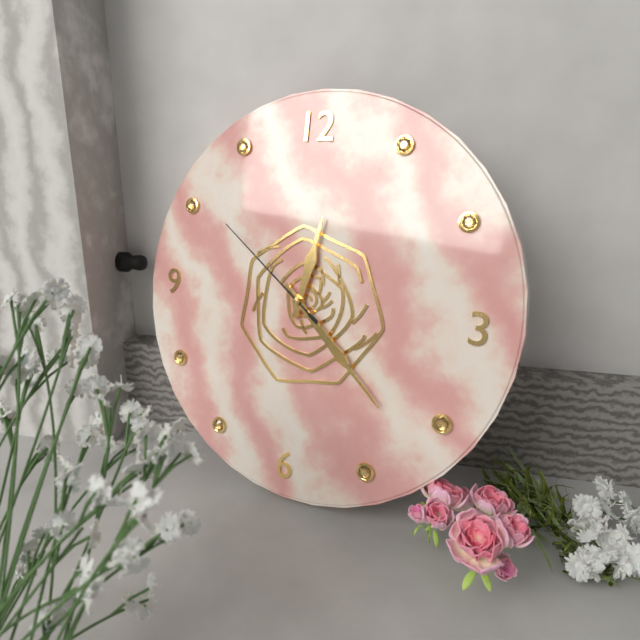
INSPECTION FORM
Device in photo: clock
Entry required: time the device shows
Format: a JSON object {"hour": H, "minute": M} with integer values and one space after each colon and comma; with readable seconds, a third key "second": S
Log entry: {"hour": 12, "minute": 22, "second": 51}
